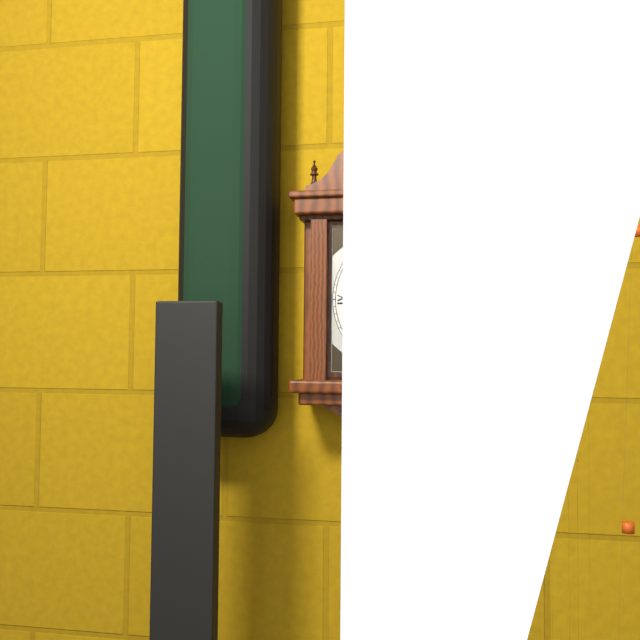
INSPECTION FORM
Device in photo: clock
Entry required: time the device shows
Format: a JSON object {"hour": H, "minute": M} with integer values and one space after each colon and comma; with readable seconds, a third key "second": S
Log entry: {"hour": 12, "minute": 19}
